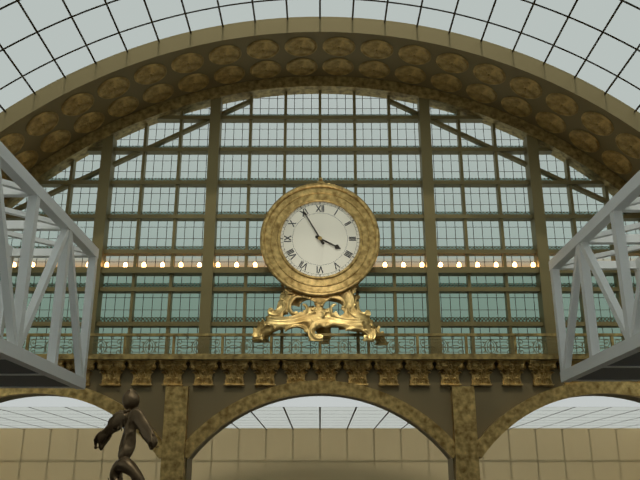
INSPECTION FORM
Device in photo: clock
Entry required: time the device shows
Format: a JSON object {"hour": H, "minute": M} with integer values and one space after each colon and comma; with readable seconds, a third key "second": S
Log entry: {"hour": 3, "minute": 55}
